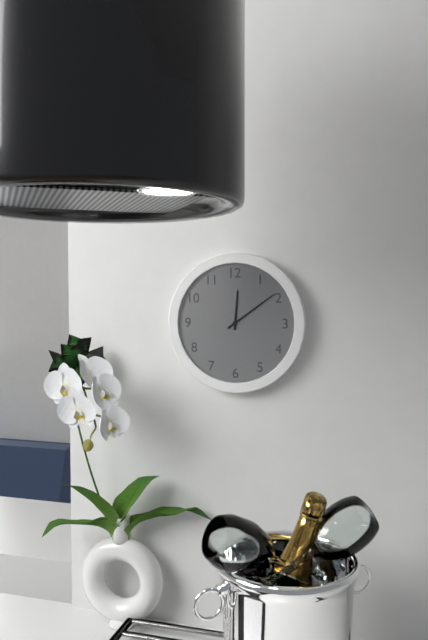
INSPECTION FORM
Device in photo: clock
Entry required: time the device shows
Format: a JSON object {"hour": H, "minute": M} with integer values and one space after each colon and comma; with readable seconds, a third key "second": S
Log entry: {"hour": 12, "minute": 9}
